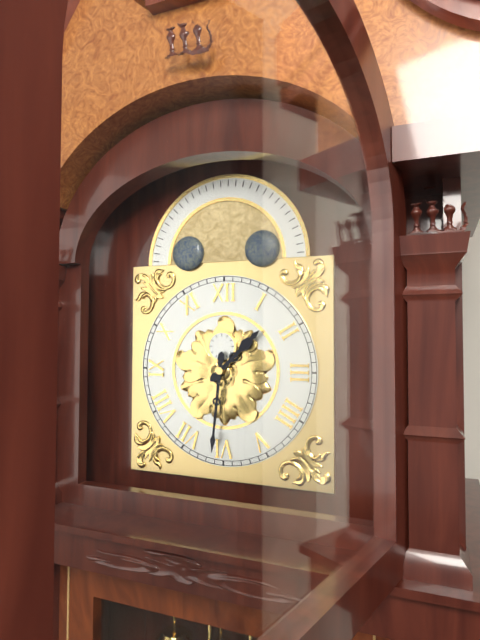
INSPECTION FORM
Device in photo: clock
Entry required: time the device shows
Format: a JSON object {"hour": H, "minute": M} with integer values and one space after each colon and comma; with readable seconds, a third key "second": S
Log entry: {"hour": 1, "minute": 31}
